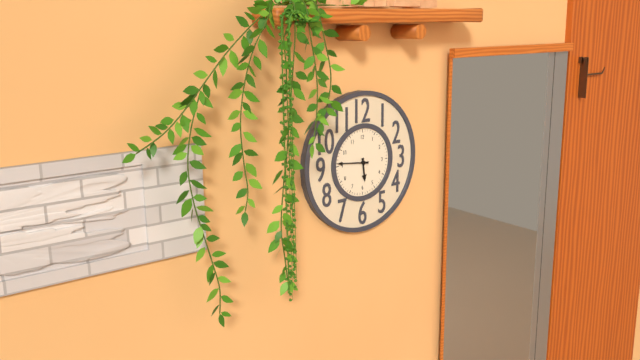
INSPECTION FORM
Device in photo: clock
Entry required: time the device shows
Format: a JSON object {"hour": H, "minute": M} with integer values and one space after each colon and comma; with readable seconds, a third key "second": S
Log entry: {"hour": 5, "minute": 46}
